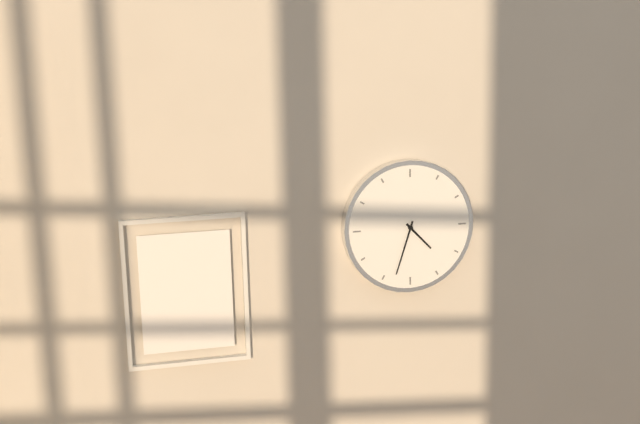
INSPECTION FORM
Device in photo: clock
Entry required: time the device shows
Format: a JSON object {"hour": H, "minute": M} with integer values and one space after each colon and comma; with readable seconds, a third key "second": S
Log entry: {"hour": 4, "minute": 33}
